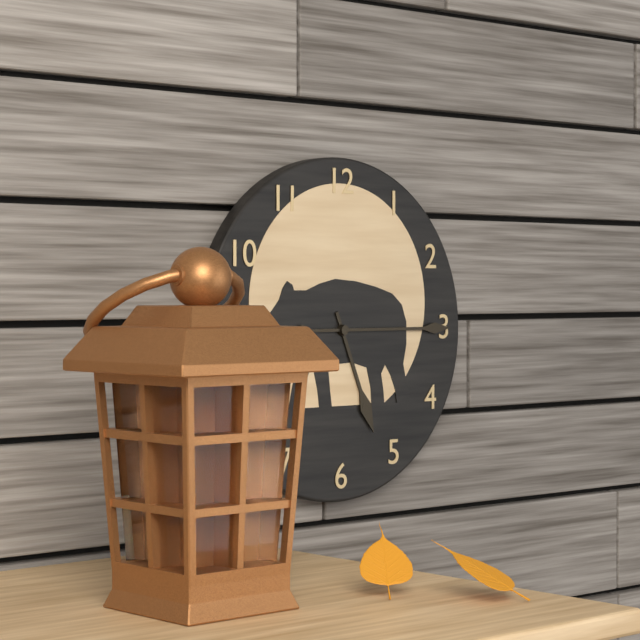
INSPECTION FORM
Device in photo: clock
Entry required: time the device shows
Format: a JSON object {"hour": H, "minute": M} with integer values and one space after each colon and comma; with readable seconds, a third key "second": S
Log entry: {"hour": 5, "minute": 15}
